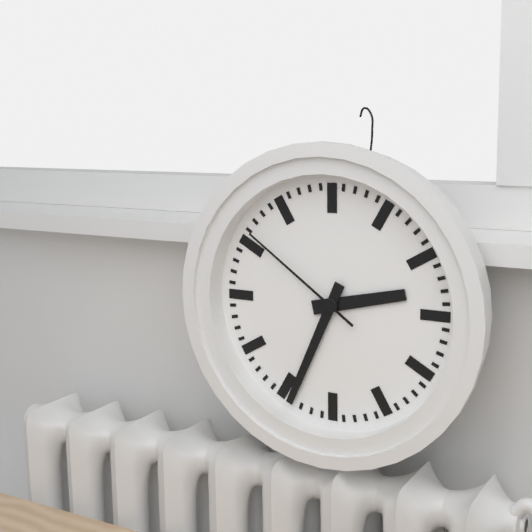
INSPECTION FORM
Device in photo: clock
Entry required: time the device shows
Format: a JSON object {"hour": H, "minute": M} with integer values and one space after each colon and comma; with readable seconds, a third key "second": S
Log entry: {"hour": 2, "minute": 34, "second": 51}
